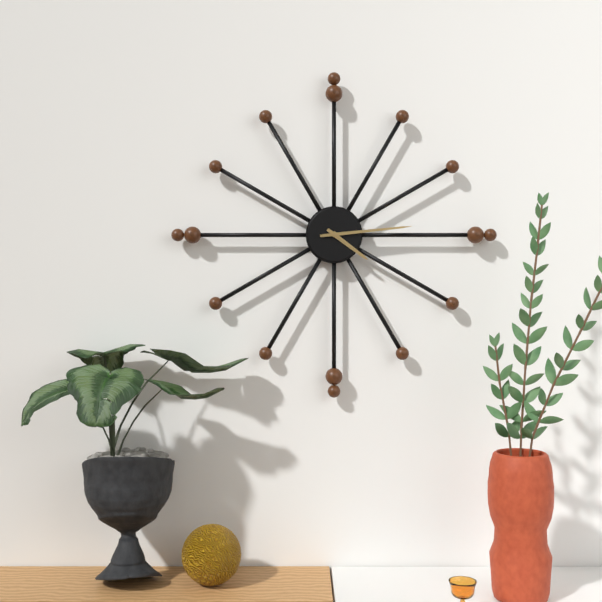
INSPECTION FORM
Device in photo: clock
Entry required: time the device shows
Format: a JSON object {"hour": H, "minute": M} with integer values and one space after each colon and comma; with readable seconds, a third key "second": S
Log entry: {"hour": 4, "minute": 14}
